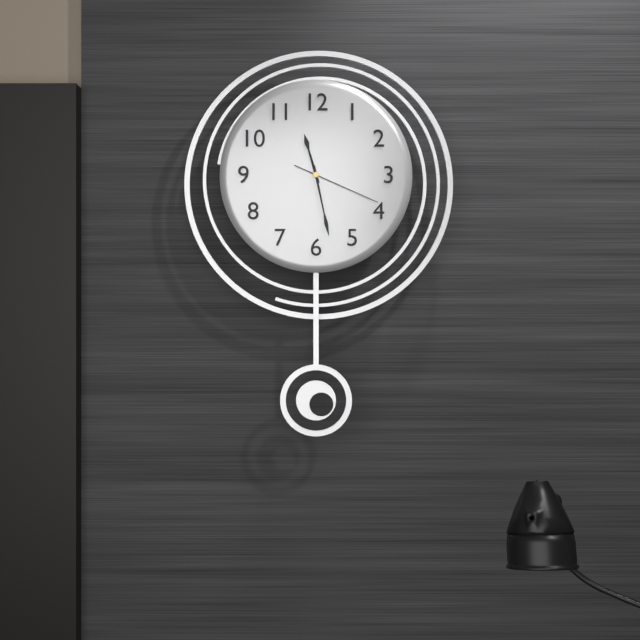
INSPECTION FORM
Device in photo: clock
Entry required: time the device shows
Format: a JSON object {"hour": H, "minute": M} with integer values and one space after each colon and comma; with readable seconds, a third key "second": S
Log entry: {"hour": 11, "minute": 28, "second": 19}
